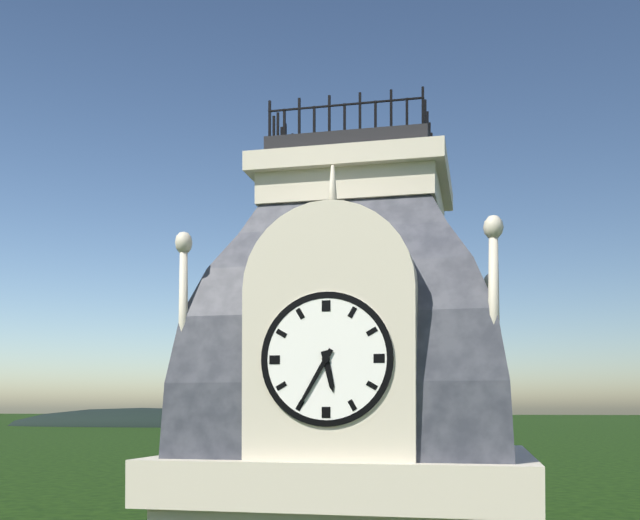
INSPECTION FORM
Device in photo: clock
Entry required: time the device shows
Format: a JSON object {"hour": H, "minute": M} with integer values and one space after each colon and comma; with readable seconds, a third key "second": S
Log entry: {"hour": 5, "minute": 35}
